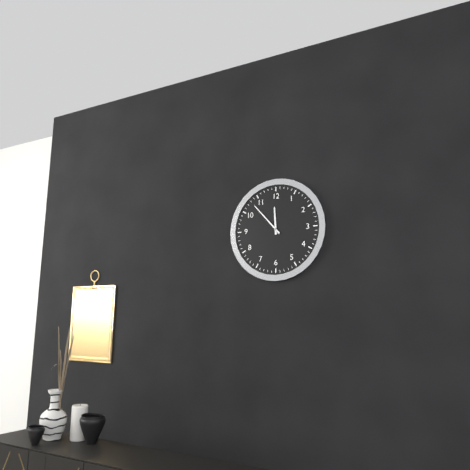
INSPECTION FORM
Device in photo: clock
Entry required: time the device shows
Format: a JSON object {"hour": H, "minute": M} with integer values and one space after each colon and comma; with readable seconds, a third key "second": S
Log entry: {"hour": 11, "minute": 53}
